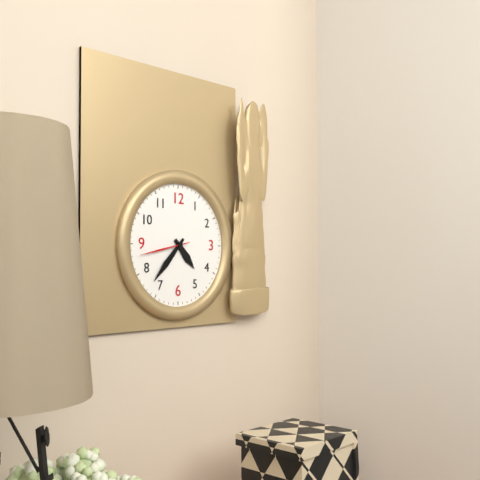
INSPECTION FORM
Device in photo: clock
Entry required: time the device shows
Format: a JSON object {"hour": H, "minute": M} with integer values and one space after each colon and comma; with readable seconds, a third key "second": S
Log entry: {"hour": 4, "minute": 37, "second": 43}
